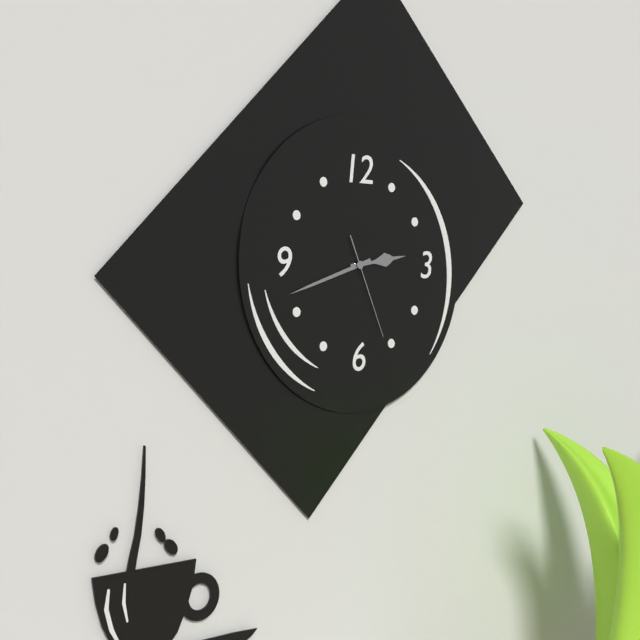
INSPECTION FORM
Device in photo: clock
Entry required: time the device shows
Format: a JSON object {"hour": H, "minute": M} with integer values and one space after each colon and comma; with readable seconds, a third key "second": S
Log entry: {"hour": 2, "minute": 42, "second": 26}
